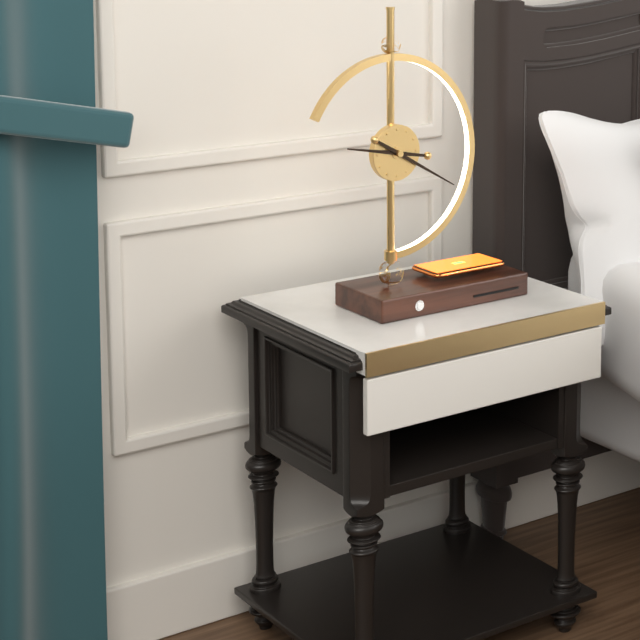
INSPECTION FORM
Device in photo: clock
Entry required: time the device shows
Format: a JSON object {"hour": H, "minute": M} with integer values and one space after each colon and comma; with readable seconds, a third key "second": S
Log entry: {"hour": 9, "minute": 20}
